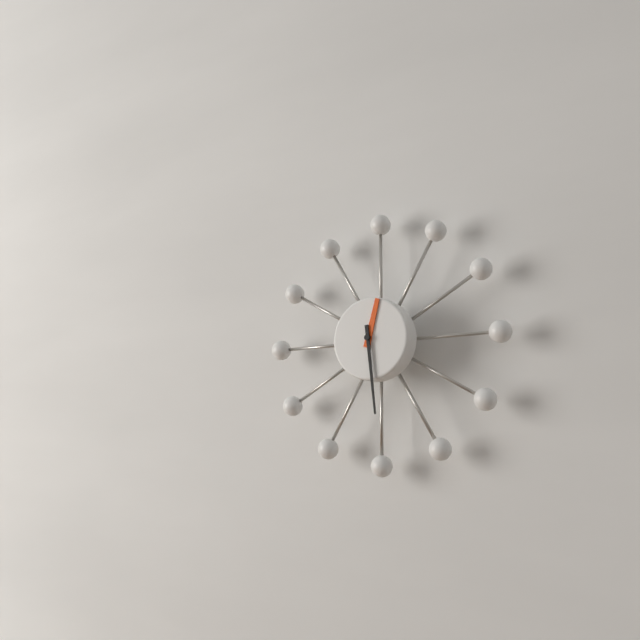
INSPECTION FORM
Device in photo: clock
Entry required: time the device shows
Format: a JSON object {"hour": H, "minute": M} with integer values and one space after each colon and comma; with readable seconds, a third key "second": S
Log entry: {"hour": 12, "minute": 29}
